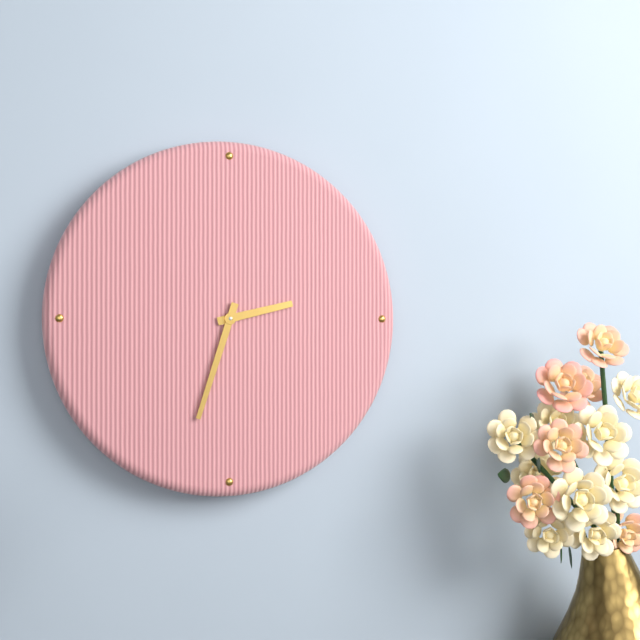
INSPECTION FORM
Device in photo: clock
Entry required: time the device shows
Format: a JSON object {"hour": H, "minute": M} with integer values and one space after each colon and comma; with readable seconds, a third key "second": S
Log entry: {"hour": 2, "minute": 33}
